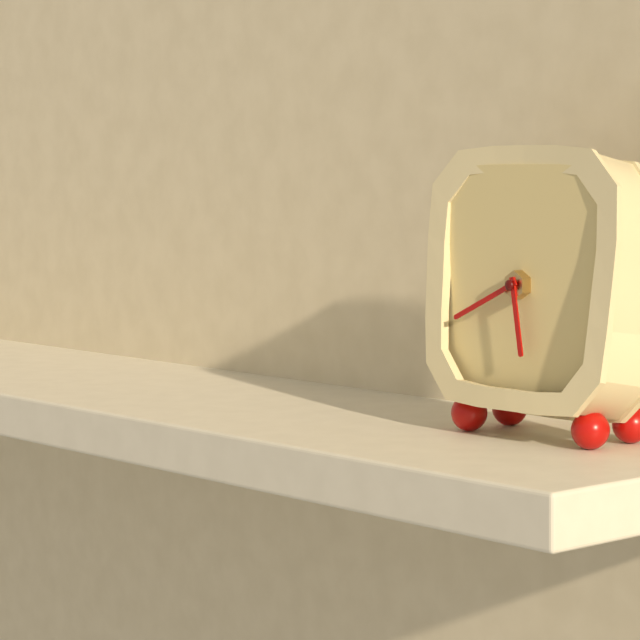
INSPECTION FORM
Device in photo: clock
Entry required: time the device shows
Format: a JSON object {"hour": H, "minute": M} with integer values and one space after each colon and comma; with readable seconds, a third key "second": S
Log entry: {"hour": 5, "minute": 41}
